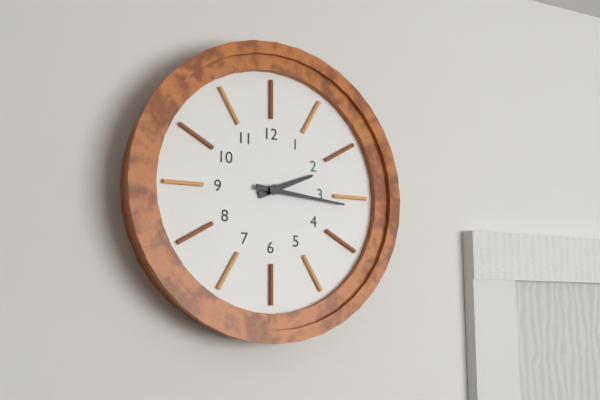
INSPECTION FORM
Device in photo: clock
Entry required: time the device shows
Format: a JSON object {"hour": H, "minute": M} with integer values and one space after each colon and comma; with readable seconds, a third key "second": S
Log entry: {"hour": 2, "minute": 16}
